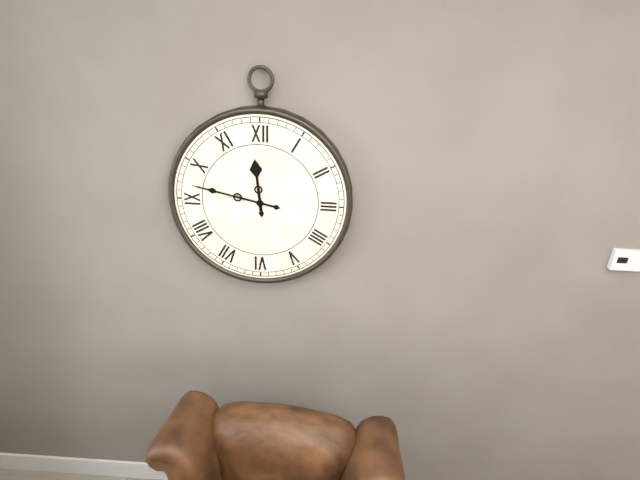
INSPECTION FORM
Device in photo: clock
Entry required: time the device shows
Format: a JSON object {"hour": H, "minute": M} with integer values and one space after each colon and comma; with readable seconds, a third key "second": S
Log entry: {"hour": 11, "minute": 47}
